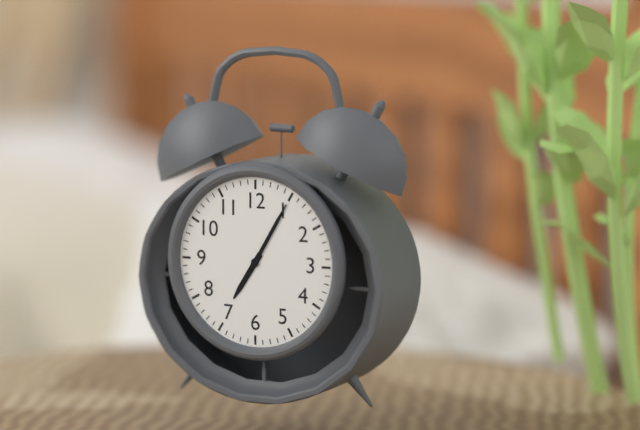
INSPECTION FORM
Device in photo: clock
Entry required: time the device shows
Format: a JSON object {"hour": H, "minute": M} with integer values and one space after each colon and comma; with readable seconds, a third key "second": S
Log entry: {"hour": 7, "minute": 5}
